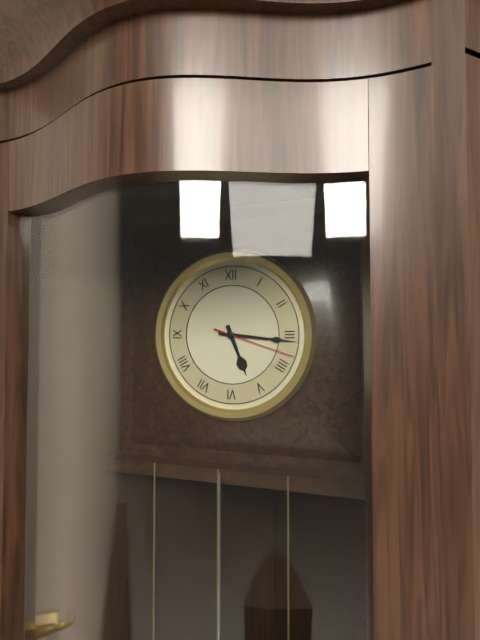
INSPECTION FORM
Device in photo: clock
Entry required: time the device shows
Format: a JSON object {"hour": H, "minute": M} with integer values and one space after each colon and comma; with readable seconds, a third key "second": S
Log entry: {"hour": 5, "minute": 16, "second": 18}
